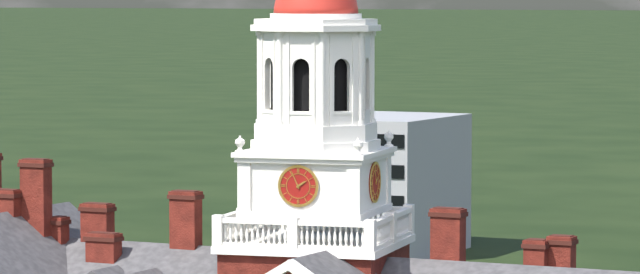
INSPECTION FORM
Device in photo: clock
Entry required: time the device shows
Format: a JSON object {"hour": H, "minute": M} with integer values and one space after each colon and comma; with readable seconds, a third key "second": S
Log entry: {"hour": 1, "minute": 56}
